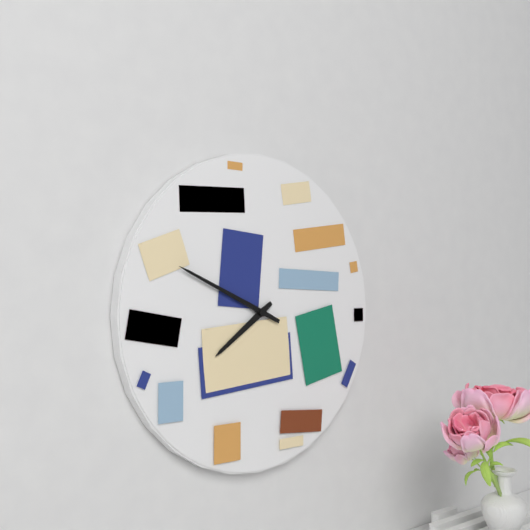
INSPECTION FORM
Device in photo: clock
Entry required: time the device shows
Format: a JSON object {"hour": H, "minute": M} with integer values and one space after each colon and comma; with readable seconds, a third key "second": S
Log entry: {"hour": 7, "minute": 49}
